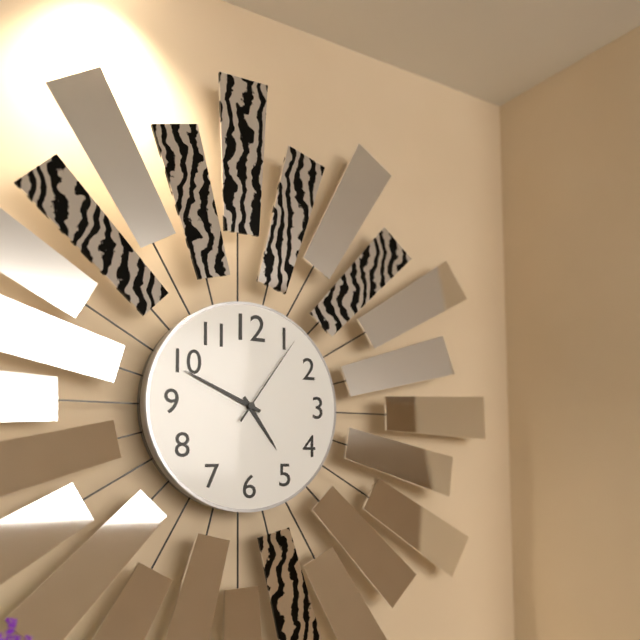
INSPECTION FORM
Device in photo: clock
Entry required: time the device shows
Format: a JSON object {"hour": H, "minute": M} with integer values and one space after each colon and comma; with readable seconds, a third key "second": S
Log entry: {"hour": 4, "minute": 49, "second": 6}
